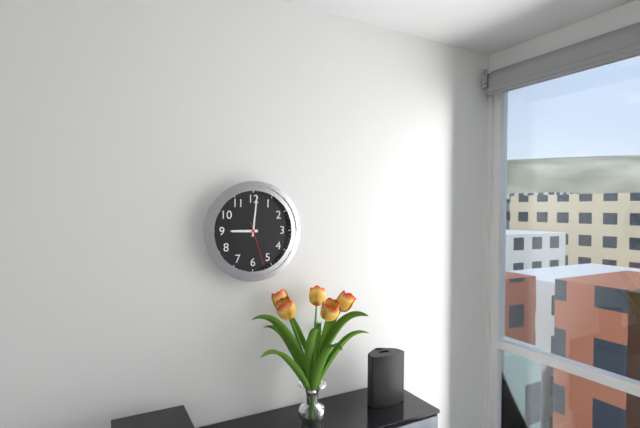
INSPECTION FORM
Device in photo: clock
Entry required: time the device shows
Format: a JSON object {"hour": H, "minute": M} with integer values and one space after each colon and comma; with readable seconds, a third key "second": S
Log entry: {"hour": 9, "minute": 1}
